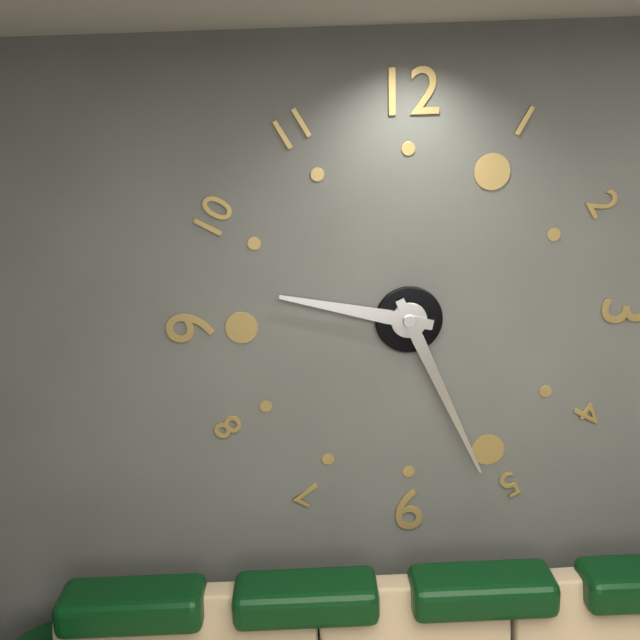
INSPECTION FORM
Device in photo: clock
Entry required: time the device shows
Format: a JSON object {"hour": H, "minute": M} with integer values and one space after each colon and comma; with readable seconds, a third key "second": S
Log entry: {"hour": 9, "minute": 26}
